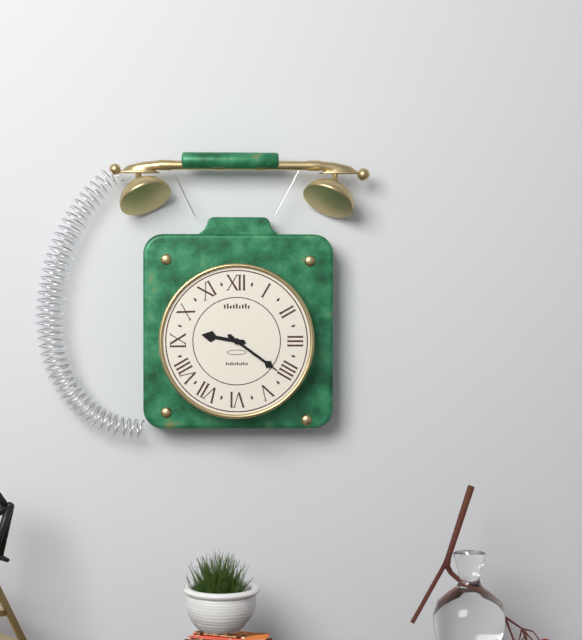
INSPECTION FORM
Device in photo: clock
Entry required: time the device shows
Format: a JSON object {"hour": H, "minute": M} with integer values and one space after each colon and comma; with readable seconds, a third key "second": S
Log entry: {"hour": 9, "minute": 21}
